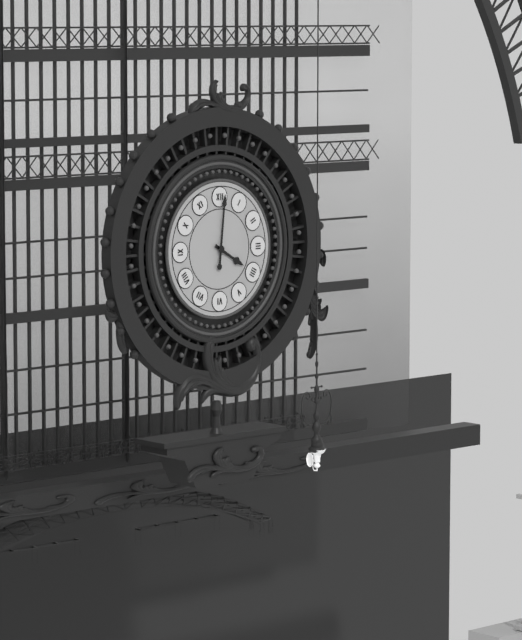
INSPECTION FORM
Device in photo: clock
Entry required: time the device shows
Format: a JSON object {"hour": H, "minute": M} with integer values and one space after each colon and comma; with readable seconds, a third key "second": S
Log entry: {"hour": 4, "minute": 1}
